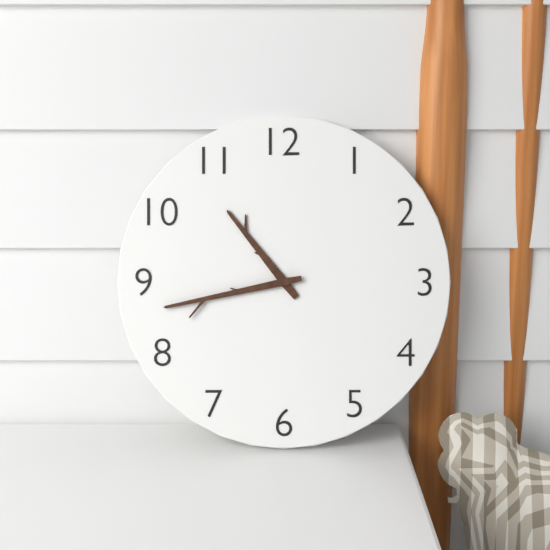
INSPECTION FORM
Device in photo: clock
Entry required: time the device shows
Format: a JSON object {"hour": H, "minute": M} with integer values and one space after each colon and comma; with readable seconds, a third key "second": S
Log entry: {"hour": 10, "minute": 43}
